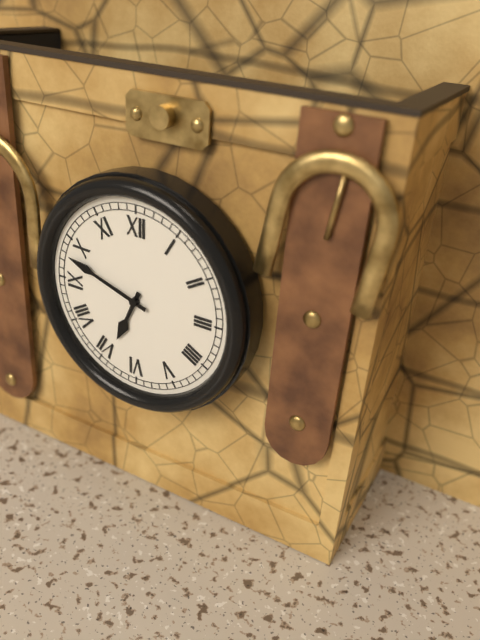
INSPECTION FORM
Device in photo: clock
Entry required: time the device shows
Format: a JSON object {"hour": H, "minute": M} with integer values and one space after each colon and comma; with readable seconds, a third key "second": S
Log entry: {"hour": 6, "minute": 48}
